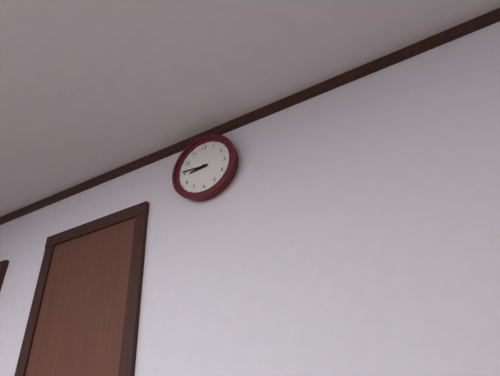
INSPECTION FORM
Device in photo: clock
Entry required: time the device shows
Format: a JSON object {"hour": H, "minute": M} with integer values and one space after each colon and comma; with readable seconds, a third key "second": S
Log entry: {"hour": 8, "minute": 46}
